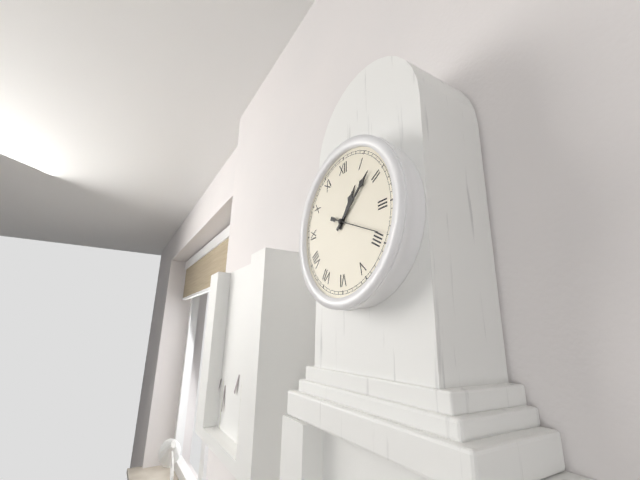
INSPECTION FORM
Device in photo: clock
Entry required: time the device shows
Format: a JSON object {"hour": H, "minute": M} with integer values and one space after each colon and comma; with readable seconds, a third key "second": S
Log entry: {"hour": 1, "minute": 8}
